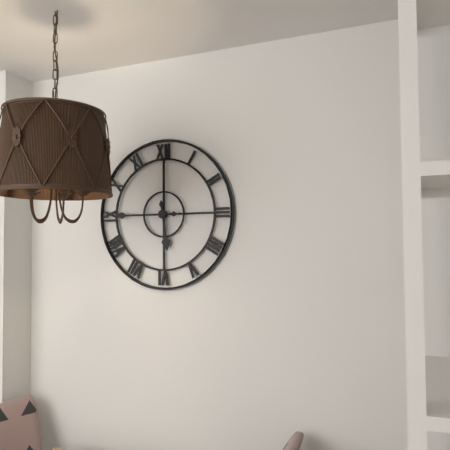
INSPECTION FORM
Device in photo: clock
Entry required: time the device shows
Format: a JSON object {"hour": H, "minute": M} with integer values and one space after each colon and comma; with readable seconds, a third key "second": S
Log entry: {"hour": 5, "minute": 45}
